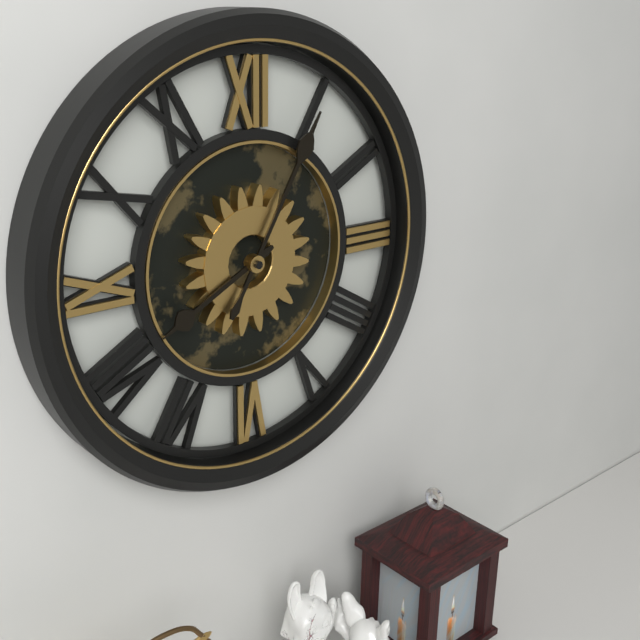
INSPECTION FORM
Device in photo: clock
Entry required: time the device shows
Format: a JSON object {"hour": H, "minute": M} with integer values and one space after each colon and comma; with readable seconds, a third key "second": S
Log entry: {"hour": 8, "minute": 5}
